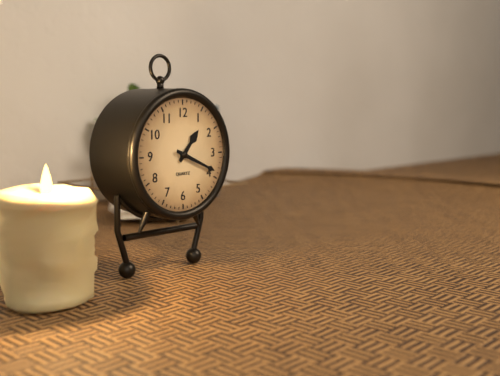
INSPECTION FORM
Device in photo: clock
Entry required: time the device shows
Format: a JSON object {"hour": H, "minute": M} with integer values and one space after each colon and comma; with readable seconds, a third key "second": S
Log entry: {"hour": 1, "minute": 19}
